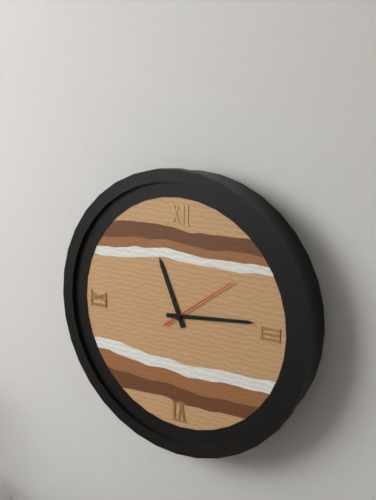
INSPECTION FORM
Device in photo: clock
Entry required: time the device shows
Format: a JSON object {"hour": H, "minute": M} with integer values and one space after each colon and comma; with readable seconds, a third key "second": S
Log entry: {"hour": 11, "minute": 14, "second": 9}
